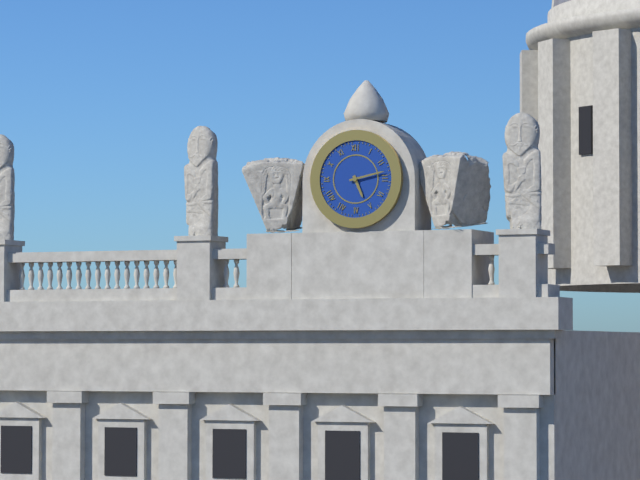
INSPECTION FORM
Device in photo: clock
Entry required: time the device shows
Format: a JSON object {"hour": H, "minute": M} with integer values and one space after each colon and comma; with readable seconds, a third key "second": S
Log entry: {"hour": 5, "minute": 13}
